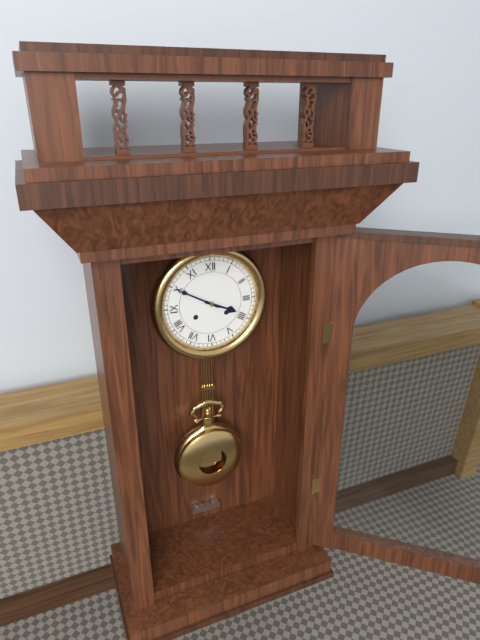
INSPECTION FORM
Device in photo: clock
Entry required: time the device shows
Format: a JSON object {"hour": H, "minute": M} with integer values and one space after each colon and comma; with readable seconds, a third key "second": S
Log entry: {"hour": 3, "minute": 50}
